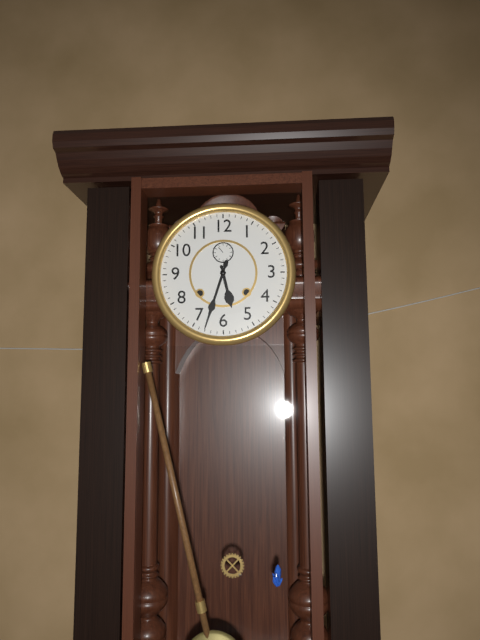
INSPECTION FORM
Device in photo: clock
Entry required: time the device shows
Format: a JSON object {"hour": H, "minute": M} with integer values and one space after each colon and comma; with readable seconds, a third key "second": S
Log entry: {"hour": 5, "minute": 33}
